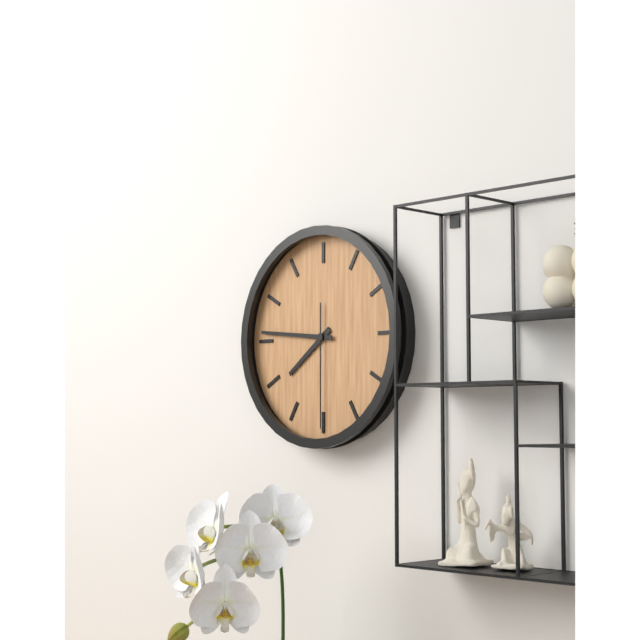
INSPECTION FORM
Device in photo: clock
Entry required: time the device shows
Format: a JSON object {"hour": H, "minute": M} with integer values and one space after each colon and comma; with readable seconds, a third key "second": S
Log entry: {"hour": 7, "minute": 46, "second": 30}
